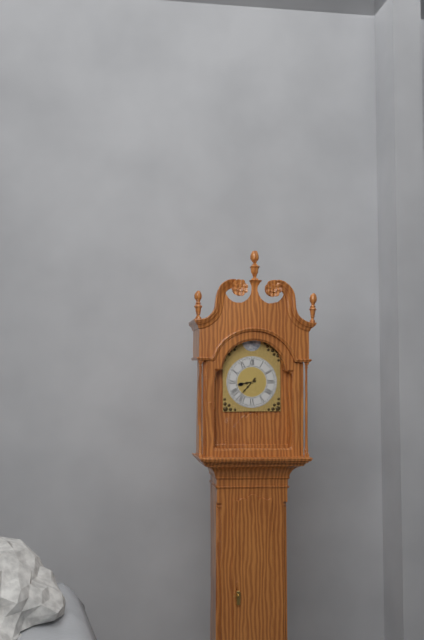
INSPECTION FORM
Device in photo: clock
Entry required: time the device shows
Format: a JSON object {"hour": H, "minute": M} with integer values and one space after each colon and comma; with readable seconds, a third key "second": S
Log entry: {"hour": 8, "minute": 37}
